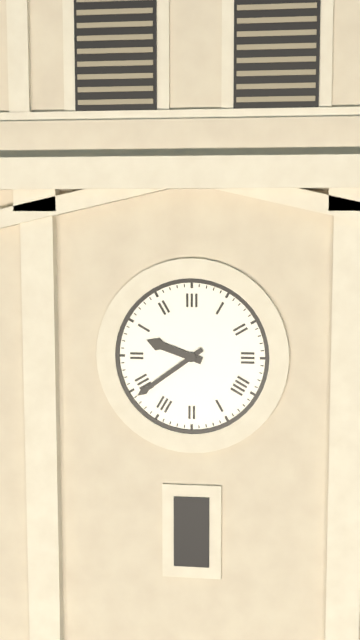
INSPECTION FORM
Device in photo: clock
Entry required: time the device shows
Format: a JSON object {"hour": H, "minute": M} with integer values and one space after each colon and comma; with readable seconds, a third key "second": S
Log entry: {"hour": 9, "minute": 39}
